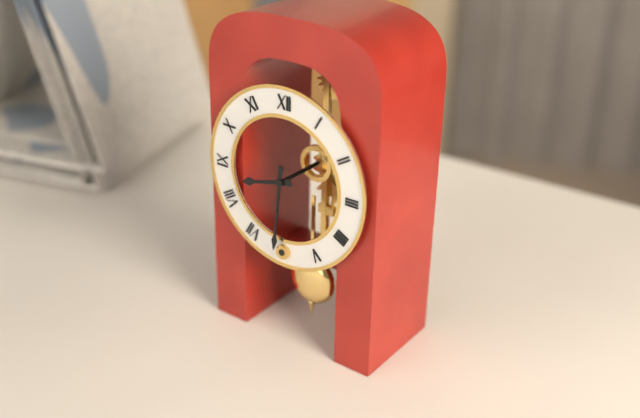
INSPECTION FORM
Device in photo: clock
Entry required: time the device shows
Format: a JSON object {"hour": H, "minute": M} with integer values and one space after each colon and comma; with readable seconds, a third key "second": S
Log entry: {"hour": 8, "minute": 31}
